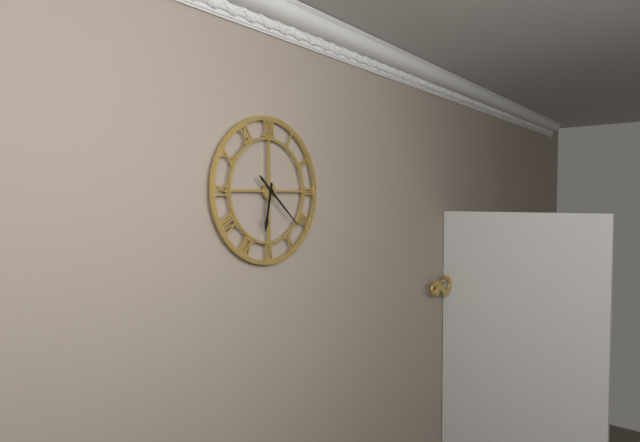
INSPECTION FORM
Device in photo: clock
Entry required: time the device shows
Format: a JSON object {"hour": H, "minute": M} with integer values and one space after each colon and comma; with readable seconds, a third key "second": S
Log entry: {"hour": 6, "minute": 22}
